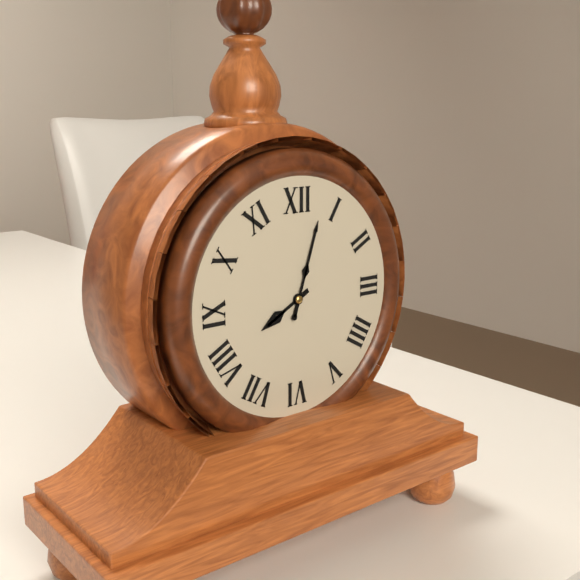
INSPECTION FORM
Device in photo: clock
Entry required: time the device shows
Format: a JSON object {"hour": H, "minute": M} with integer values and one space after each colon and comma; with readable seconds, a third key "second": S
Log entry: {"hour": 8, "minute": 3}
